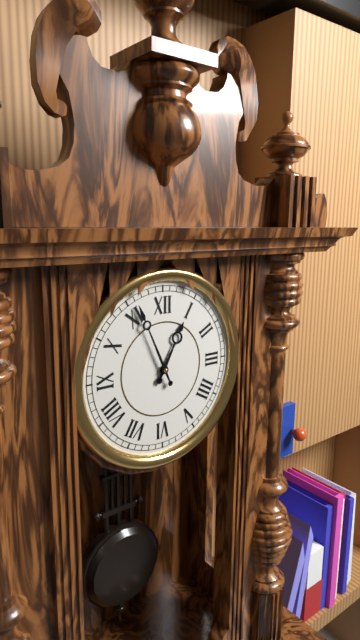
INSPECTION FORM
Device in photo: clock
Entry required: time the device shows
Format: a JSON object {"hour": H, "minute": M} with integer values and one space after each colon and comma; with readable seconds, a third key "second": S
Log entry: {"hour": 12, "minute": 56}
